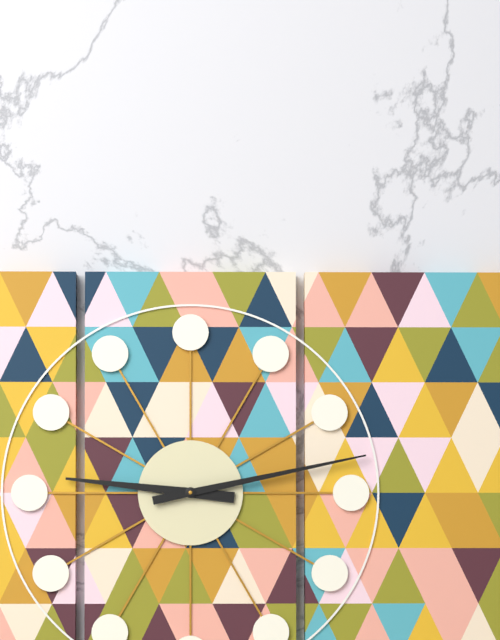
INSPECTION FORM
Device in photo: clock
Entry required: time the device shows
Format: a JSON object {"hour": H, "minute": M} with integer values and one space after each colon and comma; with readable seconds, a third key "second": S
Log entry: {"hour": 9, "minute": 13}
